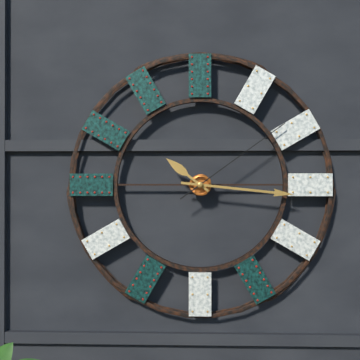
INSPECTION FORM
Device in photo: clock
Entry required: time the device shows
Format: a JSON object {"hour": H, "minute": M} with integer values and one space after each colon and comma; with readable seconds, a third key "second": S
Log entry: {"hour": 10, "minute": 16, "second": 9}
